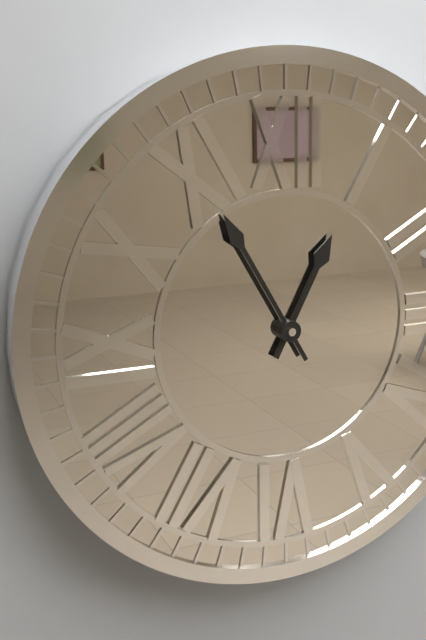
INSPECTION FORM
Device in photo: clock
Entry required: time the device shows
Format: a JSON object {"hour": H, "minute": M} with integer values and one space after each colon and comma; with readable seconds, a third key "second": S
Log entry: {"hour": 12, "minute": 55}
